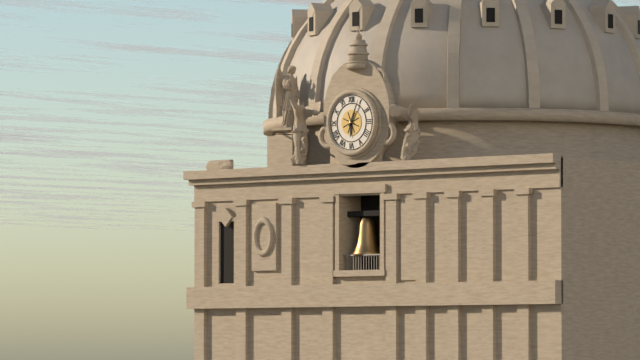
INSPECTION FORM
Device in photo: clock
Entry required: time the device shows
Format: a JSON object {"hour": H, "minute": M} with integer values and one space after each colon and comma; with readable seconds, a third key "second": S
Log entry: {"hour": 6, "minute": 4}
